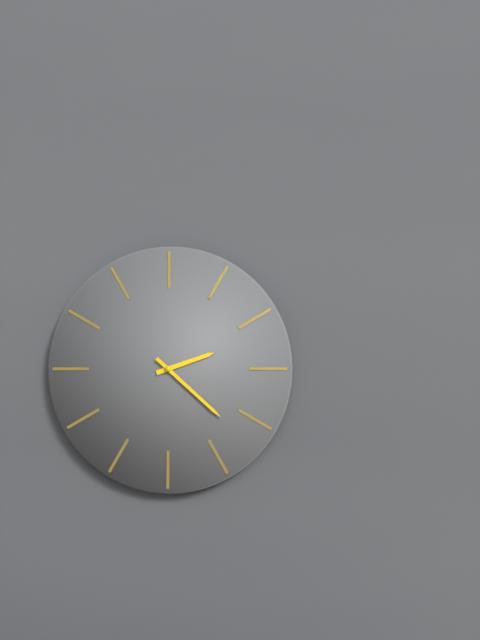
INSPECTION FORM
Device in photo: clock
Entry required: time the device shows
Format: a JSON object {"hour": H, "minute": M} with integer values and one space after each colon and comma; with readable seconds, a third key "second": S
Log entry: {"hour": 2, "minute": 22}
